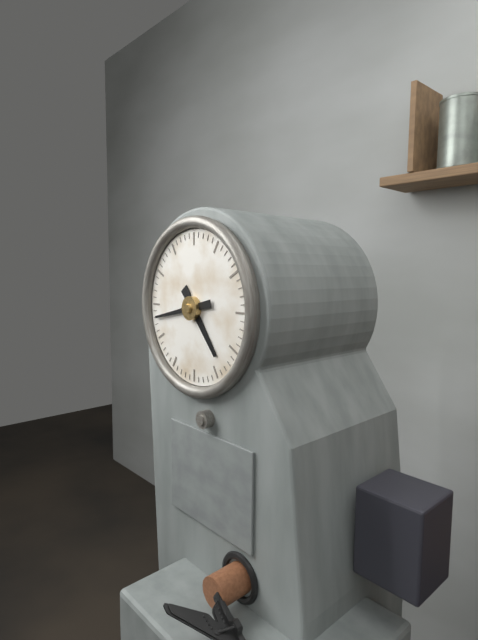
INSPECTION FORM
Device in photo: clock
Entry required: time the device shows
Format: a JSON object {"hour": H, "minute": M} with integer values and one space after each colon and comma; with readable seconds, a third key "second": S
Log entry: {"hour": 4, "minute": 43}
